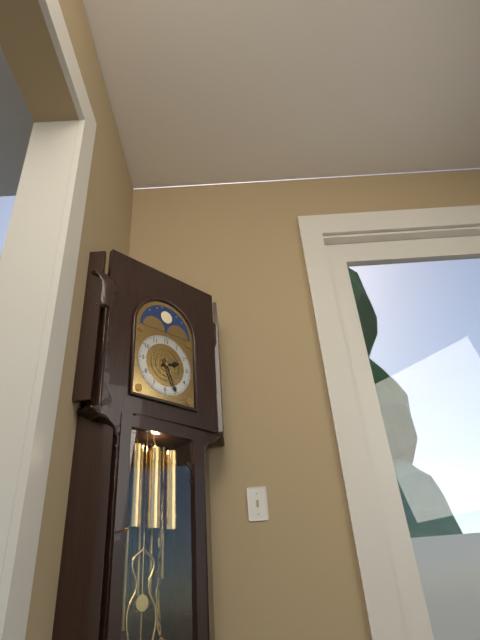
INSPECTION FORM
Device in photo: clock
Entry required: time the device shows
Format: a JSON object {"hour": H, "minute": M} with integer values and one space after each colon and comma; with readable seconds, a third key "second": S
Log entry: {"hour": 2, "minute": 26}
